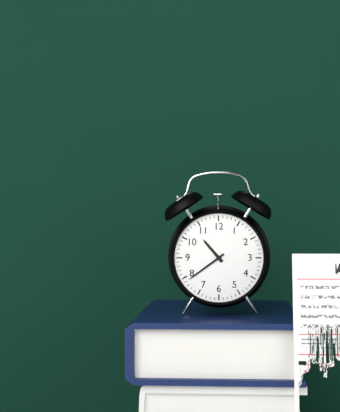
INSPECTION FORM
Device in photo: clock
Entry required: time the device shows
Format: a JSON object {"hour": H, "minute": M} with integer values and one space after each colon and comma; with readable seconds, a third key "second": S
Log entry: {"hour": 10, "minute": 39}
